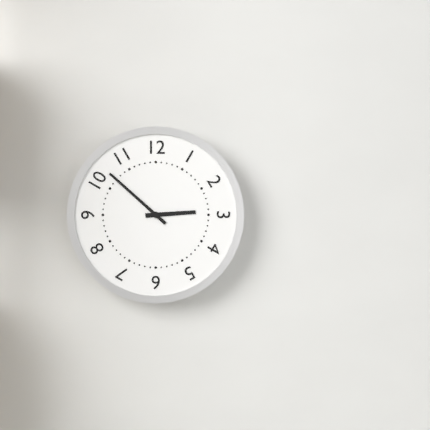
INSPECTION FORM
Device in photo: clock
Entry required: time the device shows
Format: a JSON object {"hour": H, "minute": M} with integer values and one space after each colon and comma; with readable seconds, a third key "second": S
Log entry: {"hour": 2, "minute": 52}
